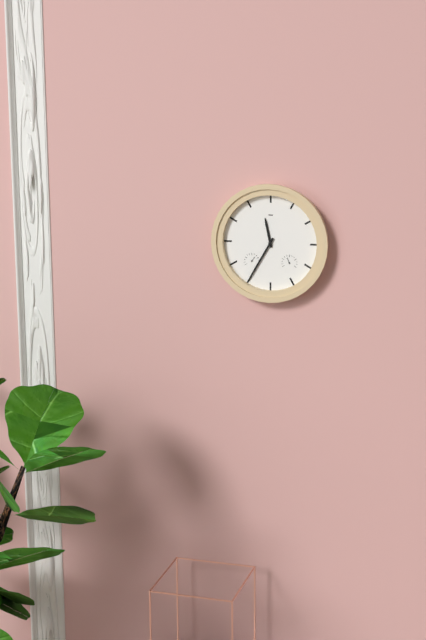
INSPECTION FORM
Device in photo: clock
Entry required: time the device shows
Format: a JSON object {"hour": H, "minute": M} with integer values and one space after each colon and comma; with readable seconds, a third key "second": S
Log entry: {"hour": 11, "minute": 35}
